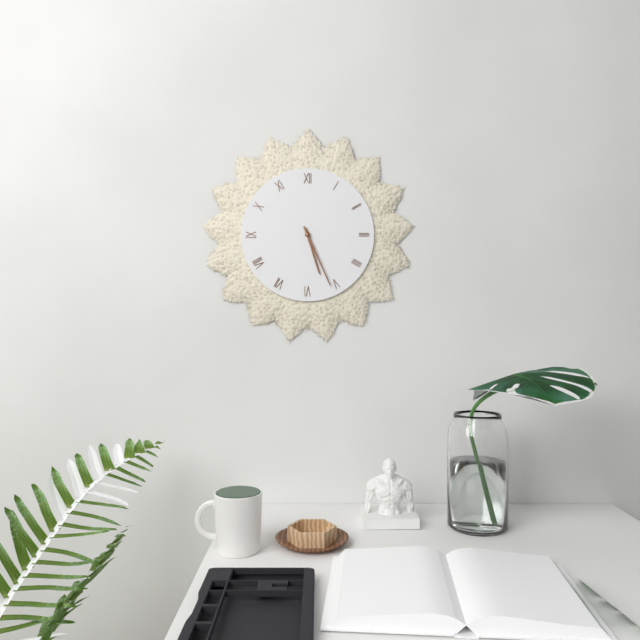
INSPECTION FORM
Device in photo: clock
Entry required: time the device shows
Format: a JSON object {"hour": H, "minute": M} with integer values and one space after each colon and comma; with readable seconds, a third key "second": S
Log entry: {"hour": 5, "minute": 26}
